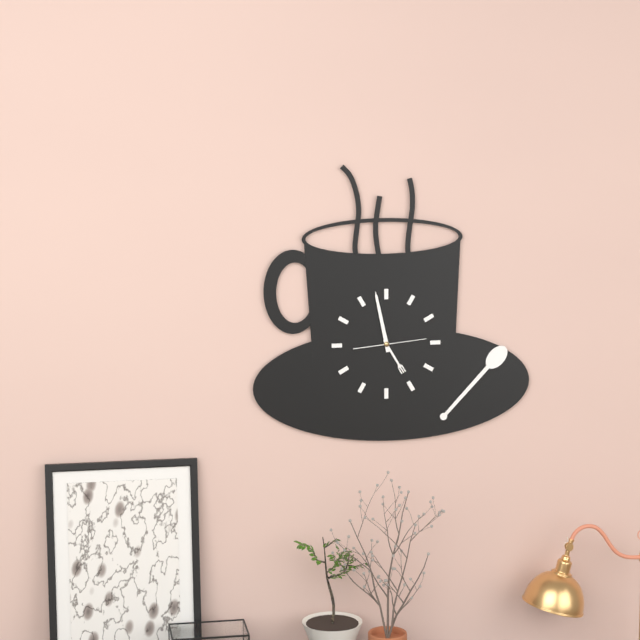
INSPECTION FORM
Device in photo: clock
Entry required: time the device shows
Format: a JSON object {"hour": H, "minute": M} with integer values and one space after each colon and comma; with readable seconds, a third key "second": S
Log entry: {"hour": 4, "minute": 58, "second": 14}
